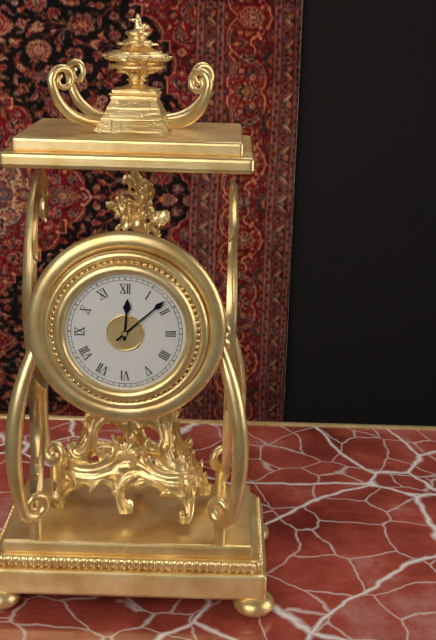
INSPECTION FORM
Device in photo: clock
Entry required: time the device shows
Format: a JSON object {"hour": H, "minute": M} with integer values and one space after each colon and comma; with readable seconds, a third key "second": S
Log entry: {"hour": 12, "minute": 8}
